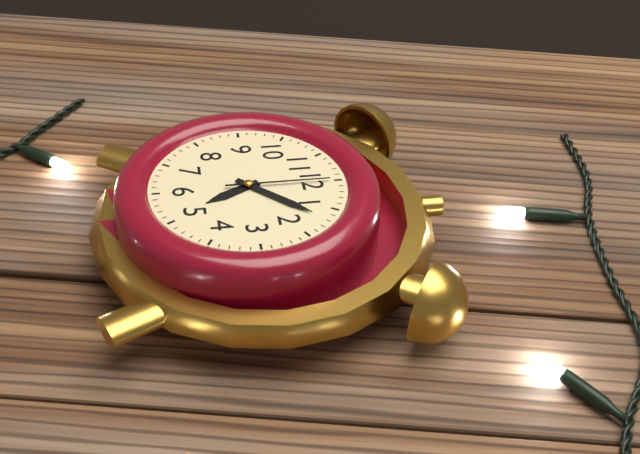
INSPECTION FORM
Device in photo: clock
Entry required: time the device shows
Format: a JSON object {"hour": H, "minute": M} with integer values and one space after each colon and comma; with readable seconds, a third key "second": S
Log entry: {"hour": 5, "minute": 7, "second": 0}
